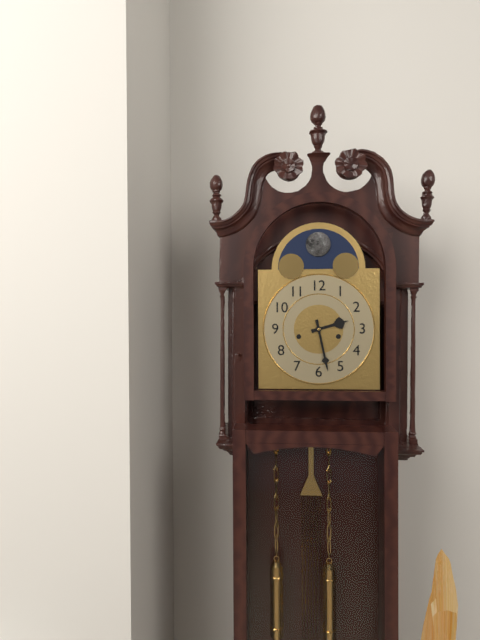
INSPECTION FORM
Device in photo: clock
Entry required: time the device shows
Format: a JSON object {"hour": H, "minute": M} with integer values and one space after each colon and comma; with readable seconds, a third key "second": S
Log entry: {"hour": 2, "minute": 28}
